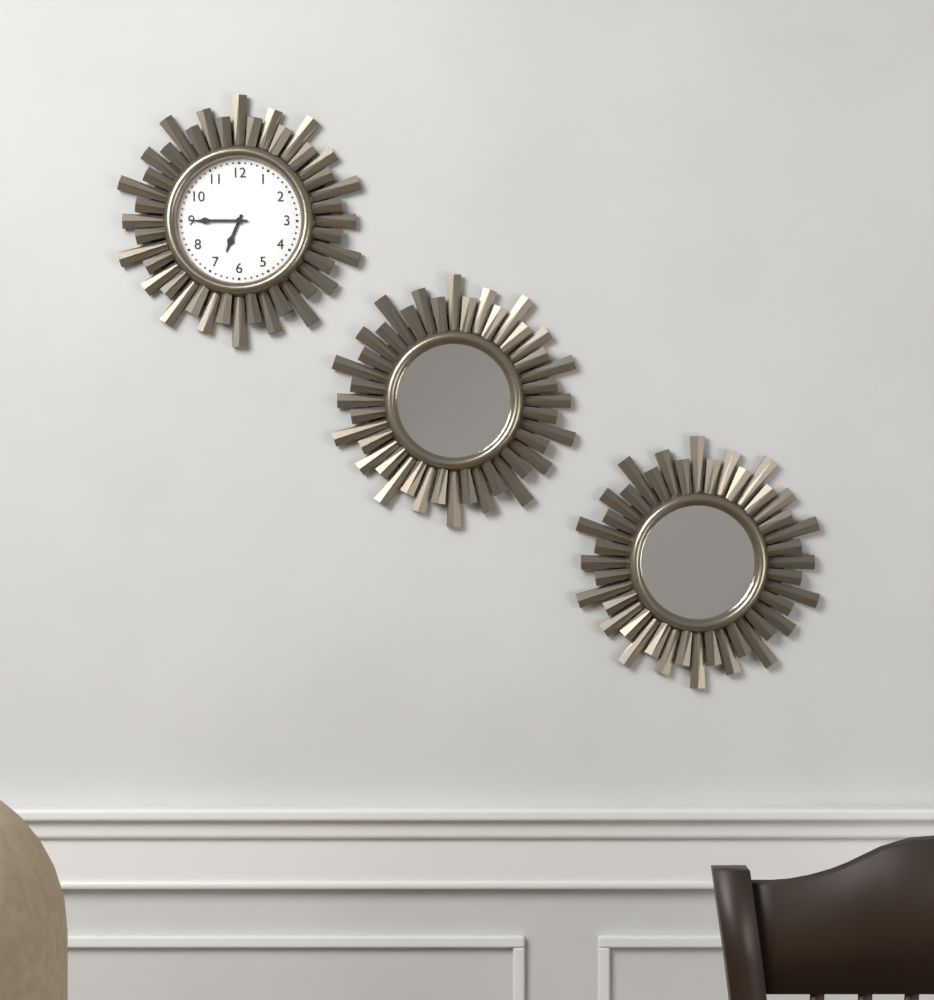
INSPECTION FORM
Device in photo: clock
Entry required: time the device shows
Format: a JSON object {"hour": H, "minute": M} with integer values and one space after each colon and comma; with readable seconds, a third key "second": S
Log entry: {"hour": 6, "minute": 45}
